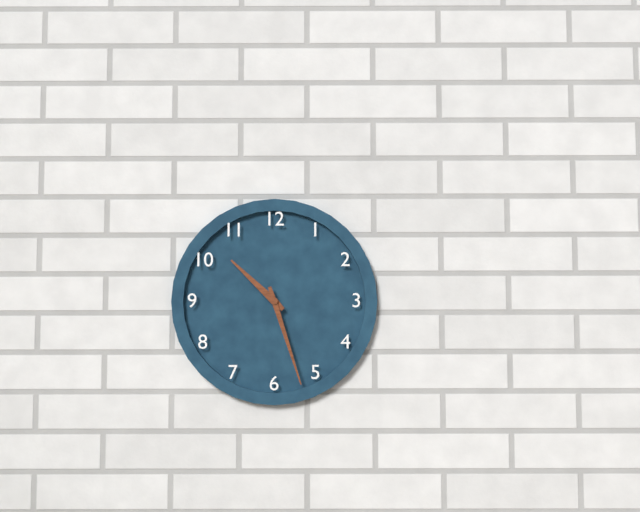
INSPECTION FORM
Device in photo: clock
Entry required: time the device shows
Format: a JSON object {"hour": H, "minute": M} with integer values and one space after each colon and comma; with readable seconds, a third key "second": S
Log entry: {"hour": 10, "minute": 27}
